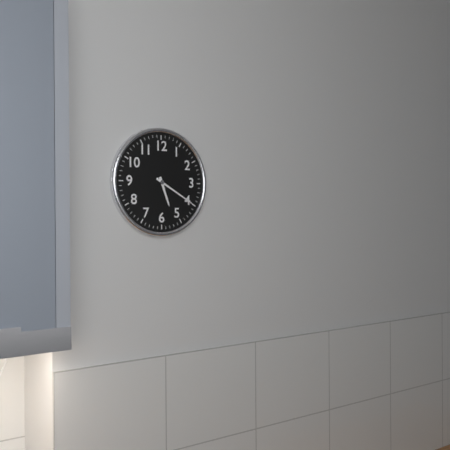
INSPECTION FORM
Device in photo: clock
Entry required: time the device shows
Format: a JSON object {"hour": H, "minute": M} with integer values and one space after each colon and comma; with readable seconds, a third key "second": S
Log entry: {"hour": 5, "minute": 20}
